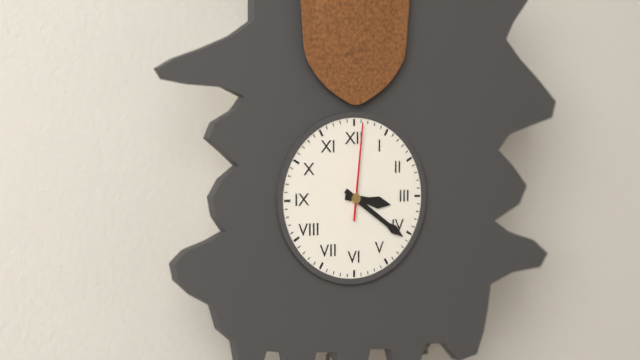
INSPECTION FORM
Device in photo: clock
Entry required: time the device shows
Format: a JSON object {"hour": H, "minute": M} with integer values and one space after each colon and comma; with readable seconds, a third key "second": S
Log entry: {"hour": 3, "minute": 21, "second": 1}
